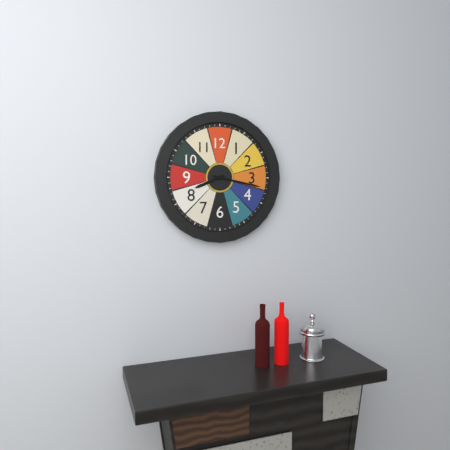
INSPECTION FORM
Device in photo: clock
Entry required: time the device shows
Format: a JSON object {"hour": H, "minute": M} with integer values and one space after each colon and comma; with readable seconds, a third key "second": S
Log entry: {"hour": 8, "minute": 17}
